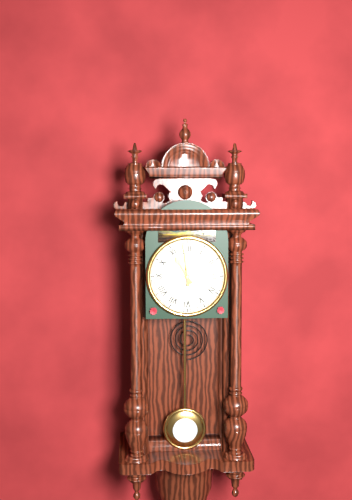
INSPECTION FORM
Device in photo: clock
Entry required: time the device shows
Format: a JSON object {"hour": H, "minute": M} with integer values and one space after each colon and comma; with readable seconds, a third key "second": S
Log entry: {"hour": 10, "minute": 59}
